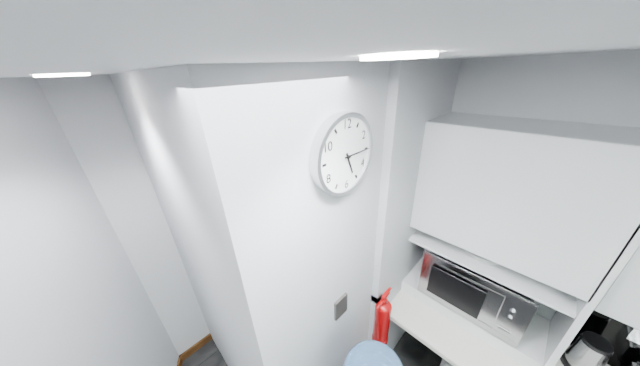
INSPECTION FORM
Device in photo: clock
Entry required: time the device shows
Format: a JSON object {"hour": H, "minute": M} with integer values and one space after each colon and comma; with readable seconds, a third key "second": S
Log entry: {"hour": 5, "minute": 15}
